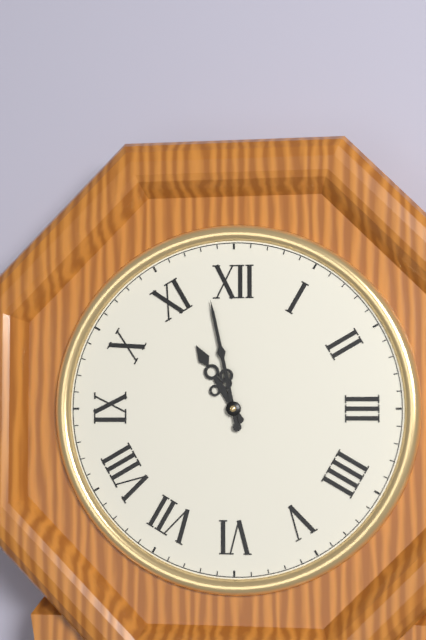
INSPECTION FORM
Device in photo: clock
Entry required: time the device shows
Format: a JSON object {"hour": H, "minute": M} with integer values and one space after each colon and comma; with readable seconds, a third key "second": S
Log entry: {"hour": 10, "minute": 58}
